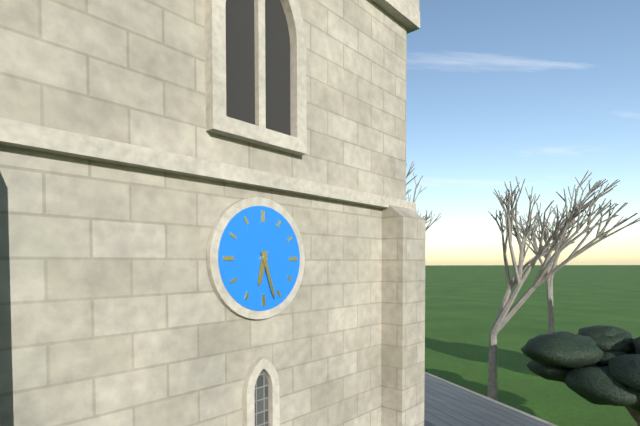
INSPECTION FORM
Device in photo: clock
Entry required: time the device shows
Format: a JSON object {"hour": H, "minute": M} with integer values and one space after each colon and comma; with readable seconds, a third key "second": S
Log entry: {"hour": 6, "minute": 27}
